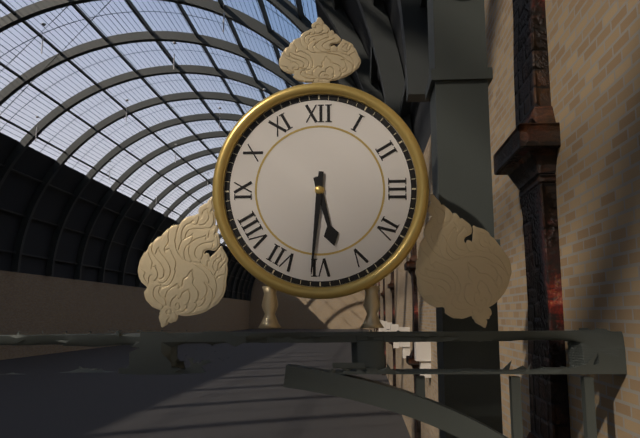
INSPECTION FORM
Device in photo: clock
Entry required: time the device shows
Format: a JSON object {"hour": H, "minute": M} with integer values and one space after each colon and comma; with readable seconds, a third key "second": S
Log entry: {"hour": 5, "minute": 31}
